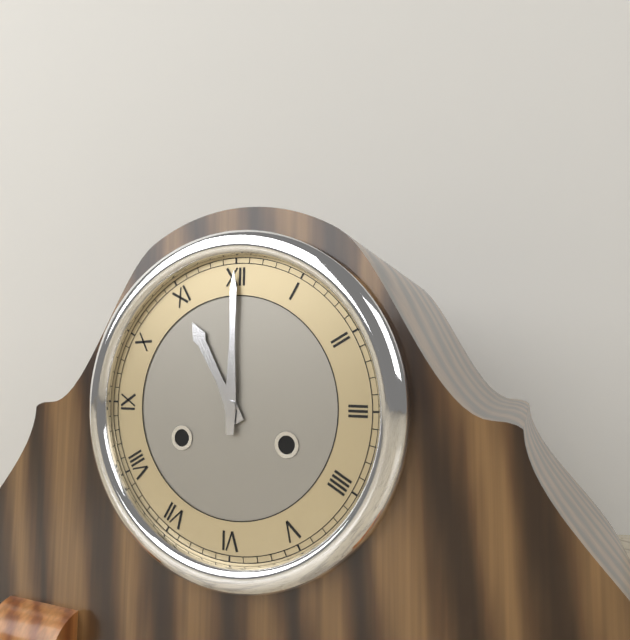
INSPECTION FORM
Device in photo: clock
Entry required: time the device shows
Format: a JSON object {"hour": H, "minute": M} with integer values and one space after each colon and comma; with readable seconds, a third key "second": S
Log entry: {"hour": 11, "minute": 0}
